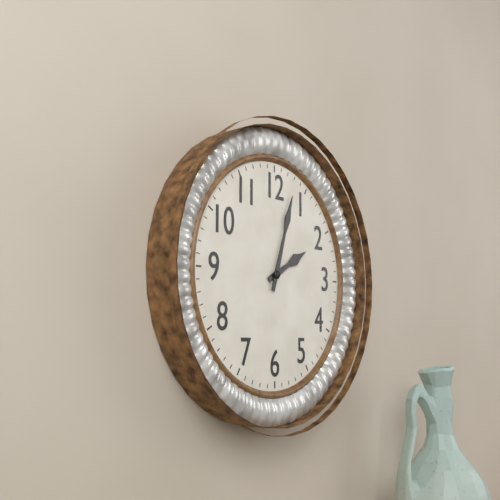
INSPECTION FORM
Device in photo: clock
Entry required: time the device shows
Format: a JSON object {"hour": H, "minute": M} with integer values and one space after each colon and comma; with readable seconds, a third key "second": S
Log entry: {"hour": 2, "minute": 3}
